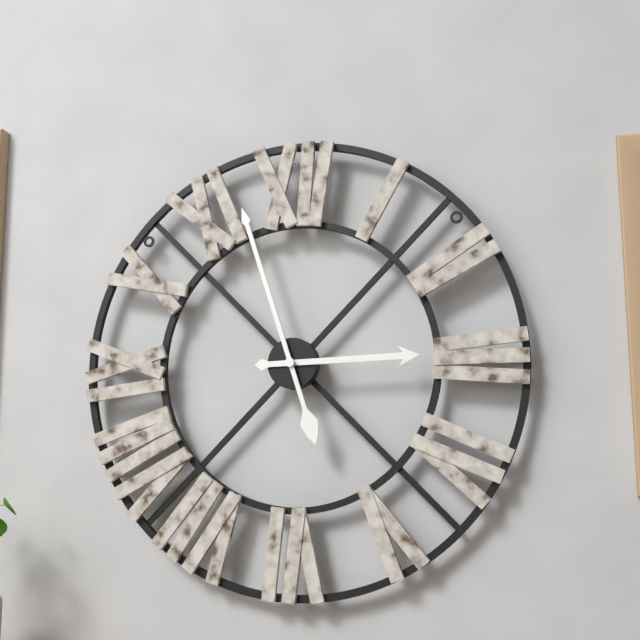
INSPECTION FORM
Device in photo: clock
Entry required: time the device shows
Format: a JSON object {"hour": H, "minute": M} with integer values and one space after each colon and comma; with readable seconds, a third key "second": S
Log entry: {"hour": 2, "minute": 57}
